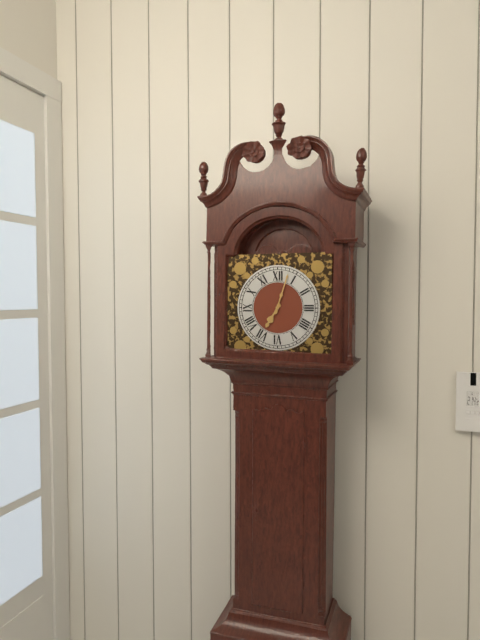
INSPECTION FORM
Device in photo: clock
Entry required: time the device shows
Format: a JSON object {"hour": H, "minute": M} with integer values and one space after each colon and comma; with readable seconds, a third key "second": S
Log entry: {"hour": 7, "minute": 3}
